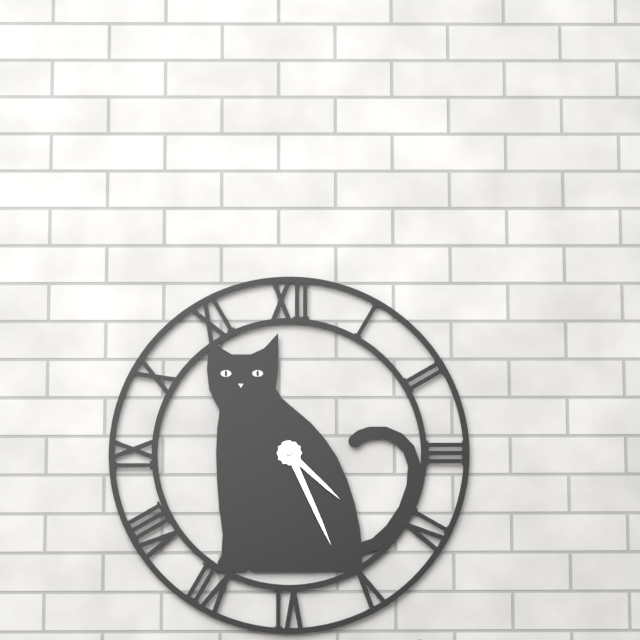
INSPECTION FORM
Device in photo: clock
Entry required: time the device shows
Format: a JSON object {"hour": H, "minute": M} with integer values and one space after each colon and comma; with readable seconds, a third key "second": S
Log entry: {"hour": 4, "minute": 26}
